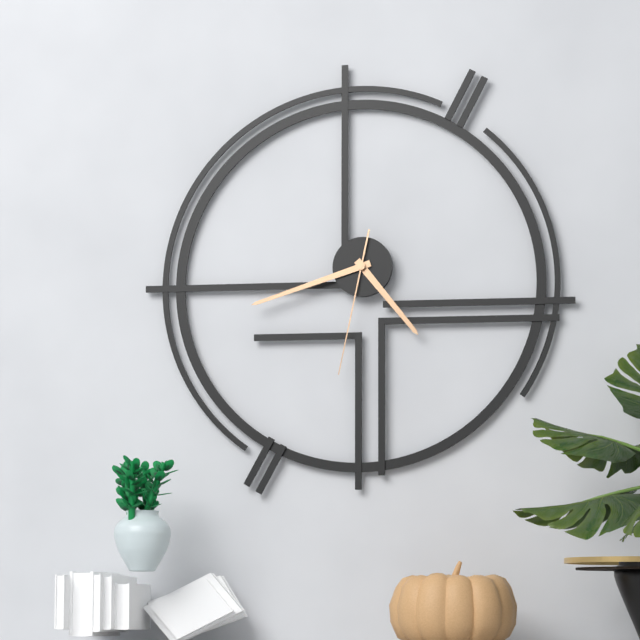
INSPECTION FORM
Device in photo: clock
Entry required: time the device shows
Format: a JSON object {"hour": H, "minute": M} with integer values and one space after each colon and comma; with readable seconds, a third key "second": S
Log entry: {"hour": 4, "minute": 42, "second": 32}
